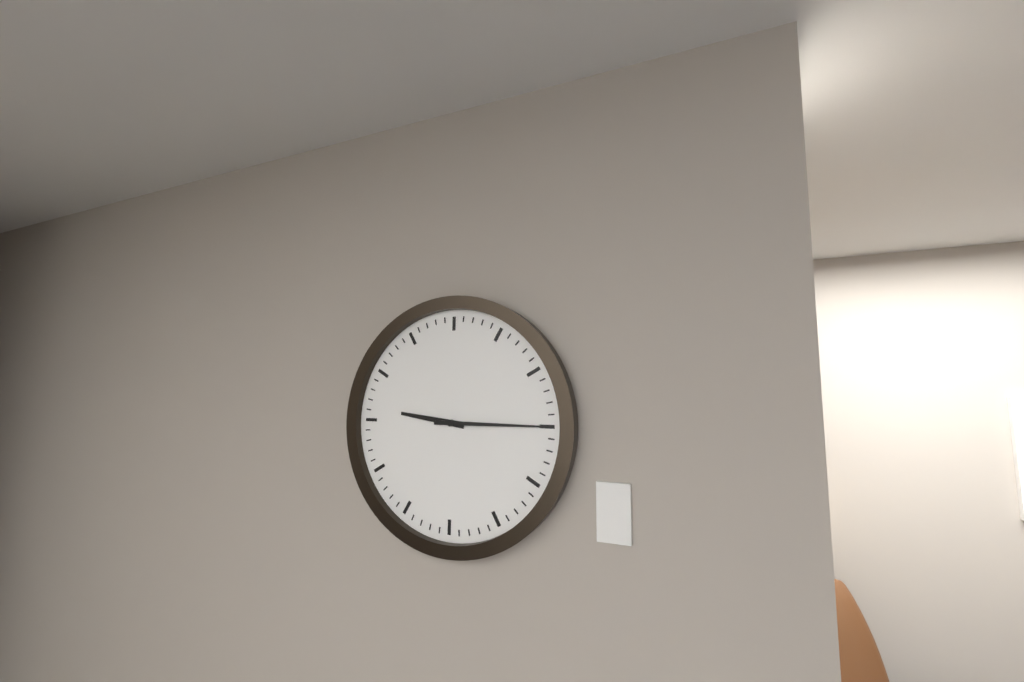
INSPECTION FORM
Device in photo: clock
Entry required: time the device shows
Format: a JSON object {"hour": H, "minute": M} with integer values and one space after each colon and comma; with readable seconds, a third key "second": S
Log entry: {"hour": 9, "minute": 15}
